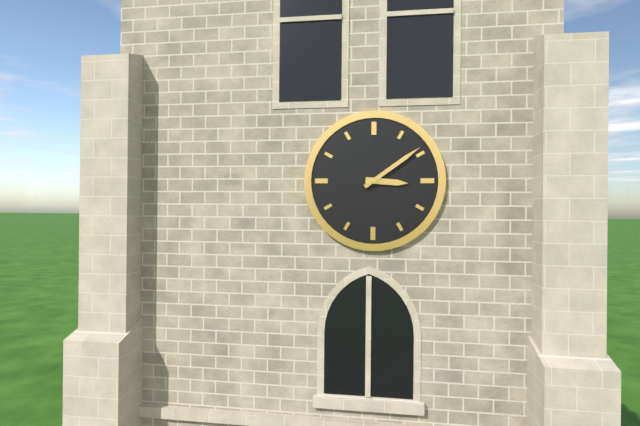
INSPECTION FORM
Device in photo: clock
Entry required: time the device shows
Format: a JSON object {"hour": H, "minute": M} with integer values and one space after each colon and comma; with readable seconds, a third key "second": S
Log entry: {"hour": 3, "minute": 9}
